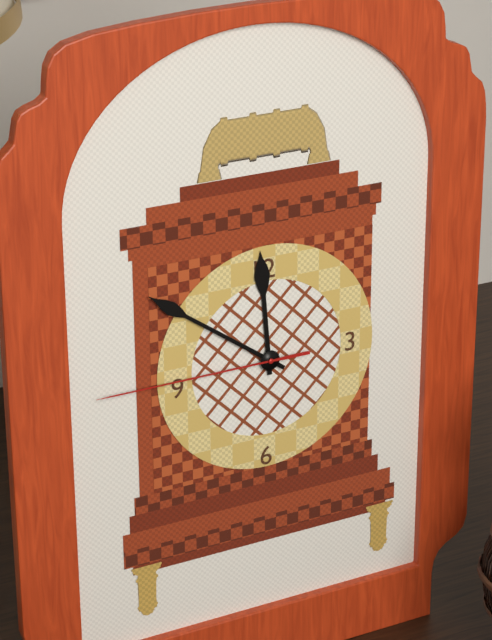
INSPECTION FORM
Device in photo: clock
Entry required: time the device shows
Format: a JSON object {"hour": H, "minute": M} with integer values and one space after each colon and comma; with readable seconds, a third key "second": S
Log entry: {"hour": 11, "minute": 51, "second": 45}
